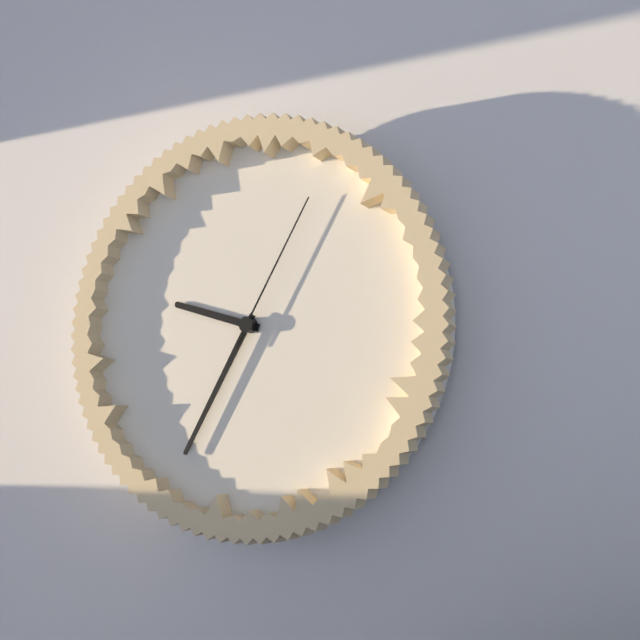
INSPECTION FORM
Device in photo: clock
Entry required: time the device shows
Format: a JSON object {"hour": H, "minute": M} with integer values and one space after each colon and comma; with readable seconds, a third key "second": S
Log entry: {"hour": 9, "minute": 35, "second": 5}
